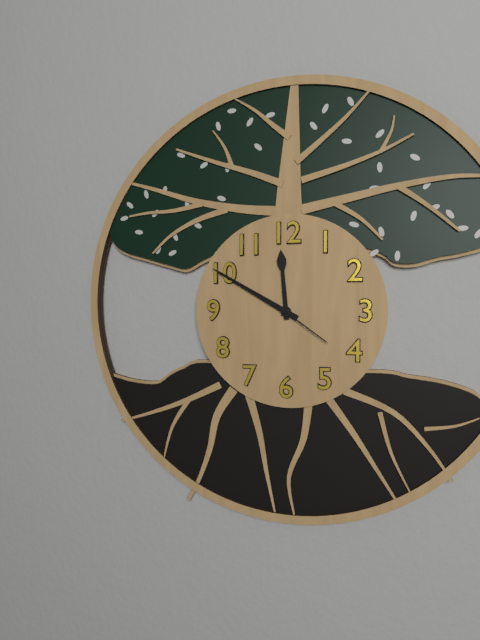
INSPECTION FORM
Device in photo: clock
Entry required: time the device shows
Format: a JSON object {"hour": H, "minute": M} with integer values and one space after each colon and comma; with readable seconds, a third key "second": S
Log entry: {"hour": 11, "minute": 50, "second": 21}
